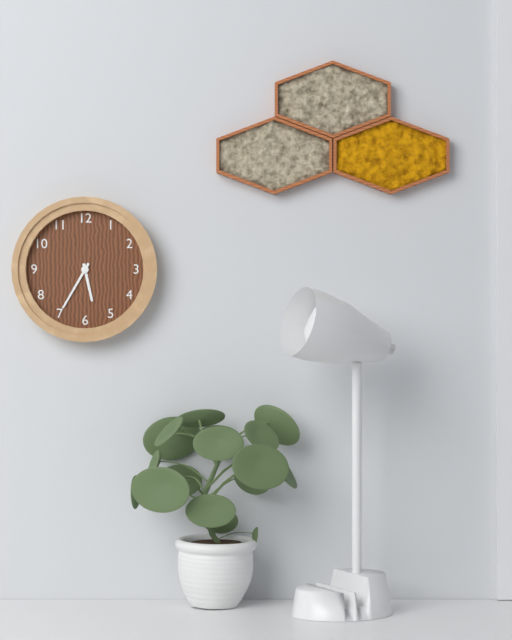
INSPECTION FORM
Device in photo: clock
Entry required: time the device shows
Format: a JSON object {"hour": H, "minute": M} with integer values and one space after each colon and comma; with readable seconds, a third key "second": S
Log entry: {"hour": 5, "minute": 35}
